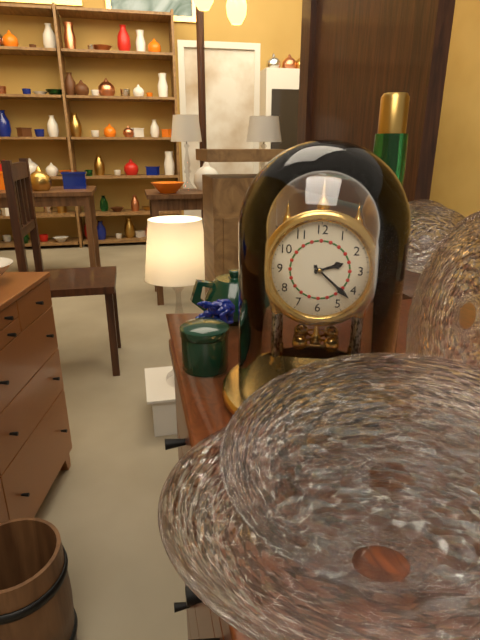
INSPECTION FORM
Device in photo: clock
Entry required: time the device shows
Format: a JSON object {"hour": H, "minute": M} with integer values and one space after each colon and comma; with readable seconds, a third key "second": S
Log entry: {"hour": 2, "minute": 22}
